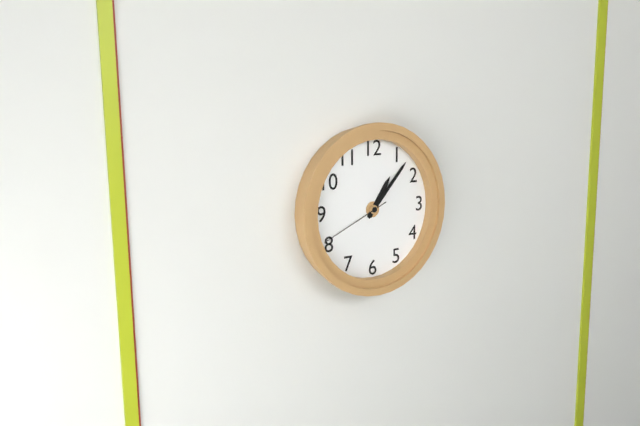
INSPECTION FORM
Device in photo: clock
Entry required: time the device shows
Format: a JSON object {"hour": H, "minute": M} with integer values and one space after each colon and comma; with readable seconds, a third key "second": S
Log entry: {"hour": 1, "minute": 7, "second": 41}
